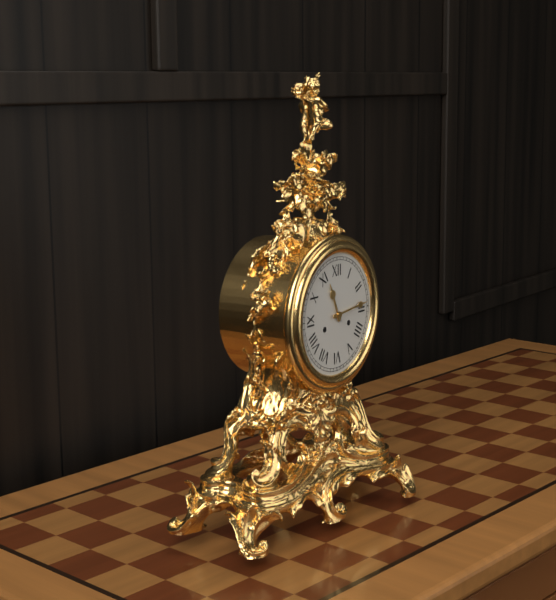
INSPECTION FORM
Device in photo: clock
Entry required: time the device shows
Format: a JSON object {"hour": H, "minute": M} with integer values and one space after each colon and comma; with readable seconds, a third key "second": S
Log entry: {"hour": 11, "minute": 14}
